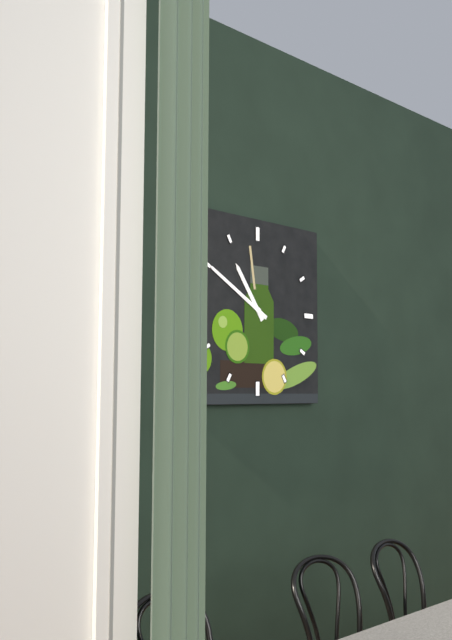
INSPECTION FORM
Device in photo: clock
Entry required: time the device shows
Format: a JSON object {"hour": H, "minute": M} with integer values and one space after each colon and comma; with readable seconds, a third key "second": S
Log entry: {"hour": 10, "minute": 50}
